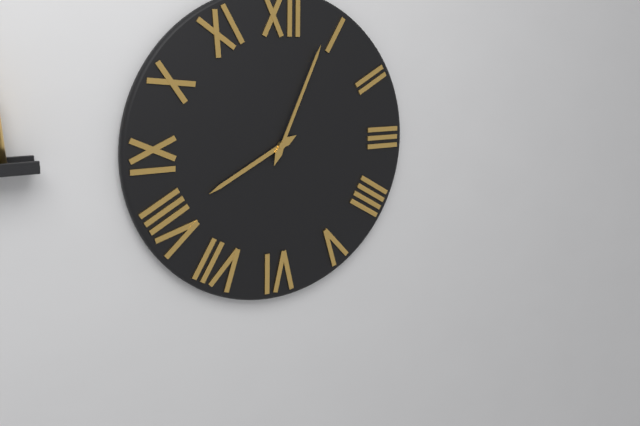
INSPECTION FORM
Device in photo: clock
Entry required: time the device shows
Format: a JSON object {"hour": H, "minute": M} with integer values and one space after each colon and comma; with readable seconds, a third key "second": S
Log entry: {"hour": 8, "minute": 4}
